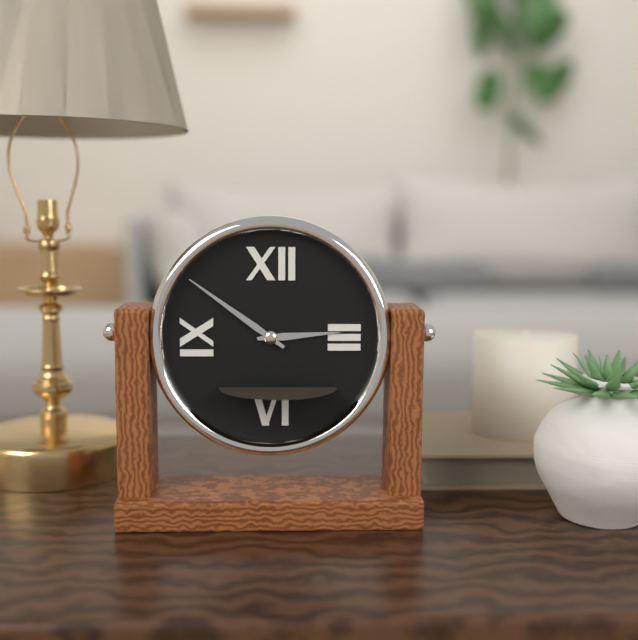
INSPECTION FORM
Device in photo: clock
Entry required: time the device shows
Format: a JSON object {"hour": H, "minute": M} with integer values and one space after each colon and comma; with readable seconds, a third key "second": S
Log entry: {"hour": 2, "minute": 51}
